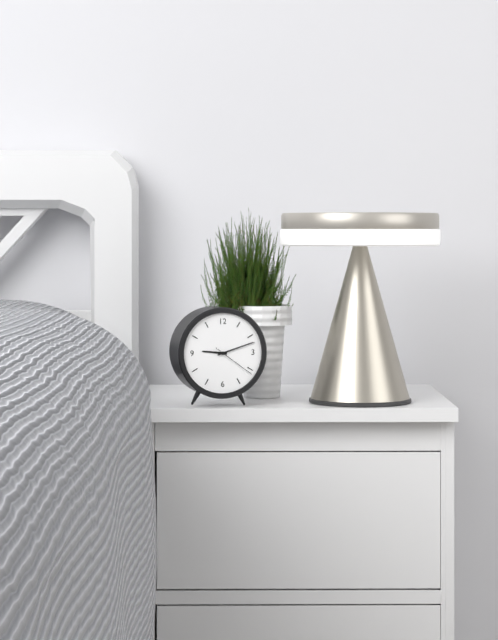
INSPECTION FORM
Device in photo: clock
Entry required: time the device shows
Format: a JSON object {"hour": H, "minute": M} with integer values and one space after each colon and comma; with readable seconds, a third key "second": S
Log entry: {"hour": 9, "minute": 12}
